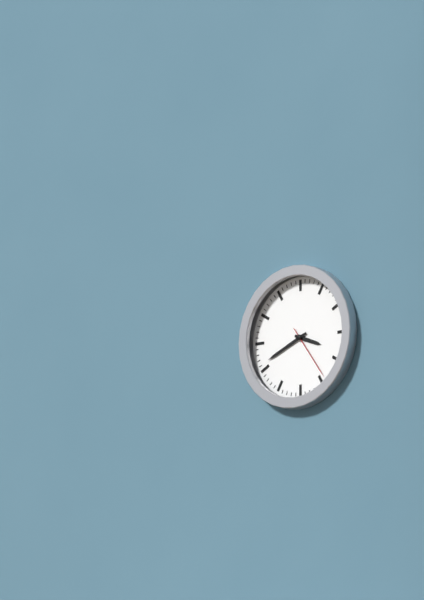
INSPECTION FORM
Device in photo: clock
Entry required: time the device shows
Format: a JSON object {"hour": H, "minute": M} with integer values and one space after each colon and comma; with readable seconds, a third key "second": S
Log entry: {"hour": 3, "minute": 41, "second": 24}
